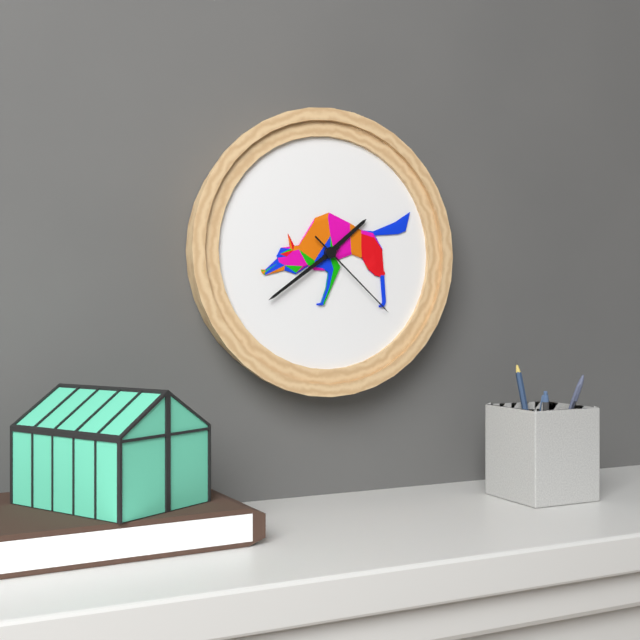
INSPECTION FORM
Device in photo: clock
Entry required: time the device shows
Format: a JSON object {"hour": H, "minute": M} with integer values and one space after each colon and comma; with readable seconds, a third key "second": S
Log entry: {"hour": 1, "minute": 39, "second": 22}
